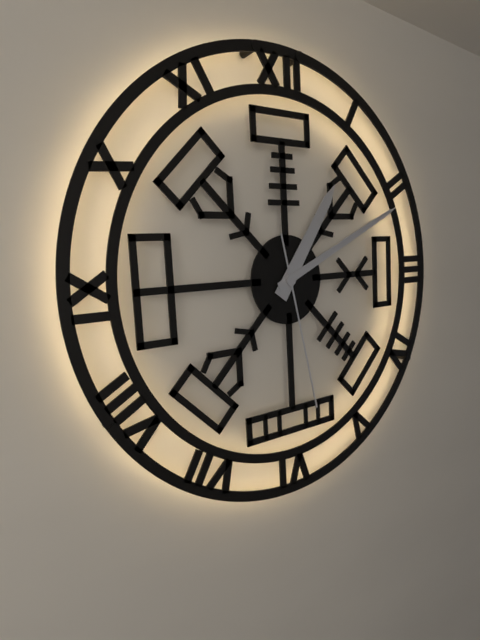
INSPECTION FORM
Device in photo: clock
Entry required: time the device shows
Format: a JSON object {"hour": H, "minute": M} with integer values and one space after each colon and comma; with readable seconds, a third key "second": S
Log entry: {"hour": 1, "minute": 11, "second": 28}
